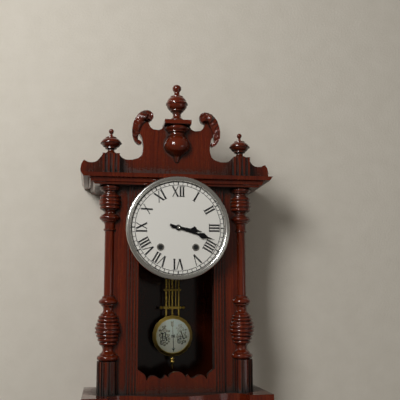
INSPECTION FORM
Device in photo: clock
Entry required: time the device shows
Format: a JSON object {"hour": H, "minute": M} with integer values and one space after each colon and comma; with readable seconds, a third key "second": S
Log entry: {"hour": 3, "minute": 18}
